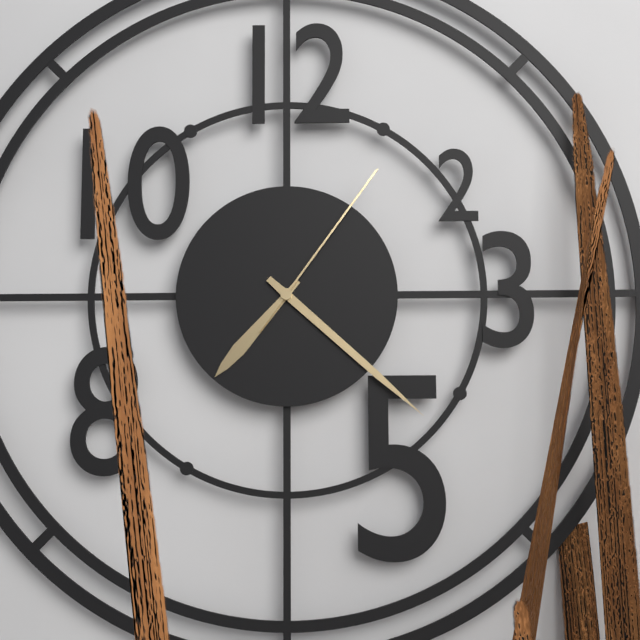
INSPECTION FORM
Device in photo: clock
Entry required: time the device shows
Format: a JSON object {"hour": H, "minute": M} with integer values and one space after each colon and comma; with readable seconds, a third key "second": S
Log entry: {"hour": 7, "minute": 22, "second": 6}
